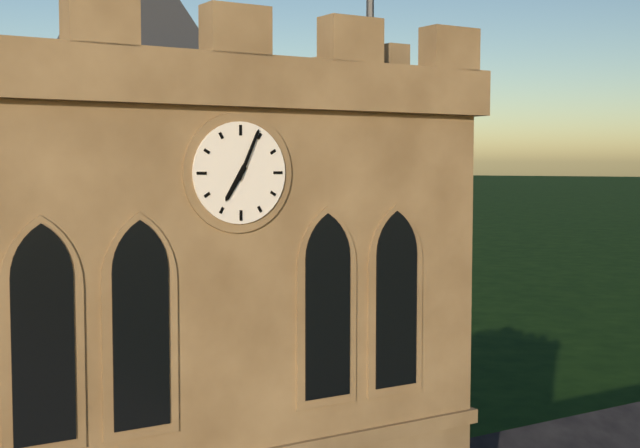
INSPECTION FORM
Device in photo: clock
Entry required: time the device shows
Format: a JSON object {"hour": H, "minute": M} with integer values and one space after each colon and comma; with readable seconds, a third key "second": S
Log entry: {"hour": 7, "minute": 4}
